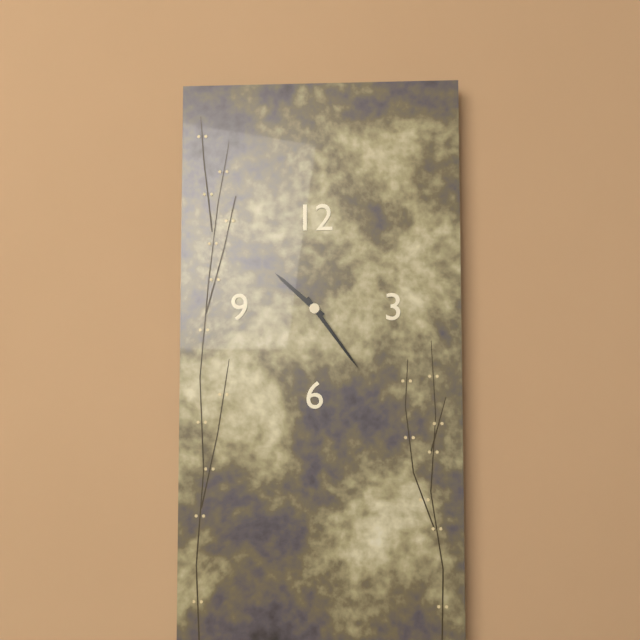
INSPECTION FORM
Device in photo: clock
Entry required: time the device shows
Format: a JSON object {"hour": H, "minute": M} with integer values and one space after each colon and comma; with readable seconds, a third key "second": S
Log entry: {"hour": 10, "minute": 24}
